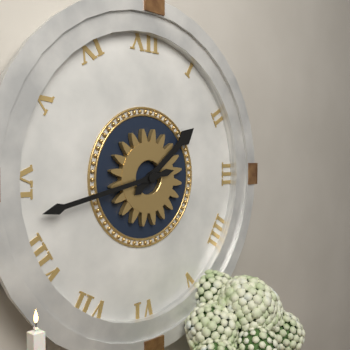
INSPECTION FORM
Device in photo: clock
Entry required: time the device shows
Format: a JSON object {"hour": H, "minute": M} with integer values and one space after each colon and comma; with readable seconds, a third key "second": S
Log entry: {"hour": 1, "minute": 43}
